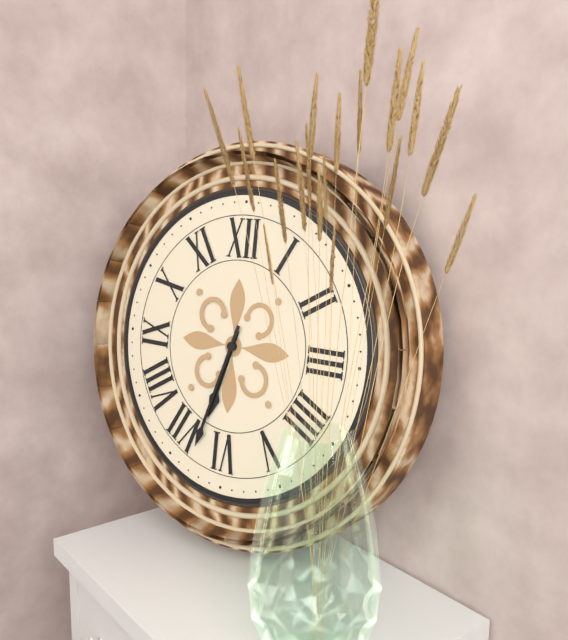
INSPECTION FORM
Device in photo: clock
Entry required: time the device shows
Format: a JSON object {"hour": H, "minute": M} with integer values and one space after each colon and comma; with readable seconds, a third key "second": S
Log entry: {"hour": 6, "minute": 33}
